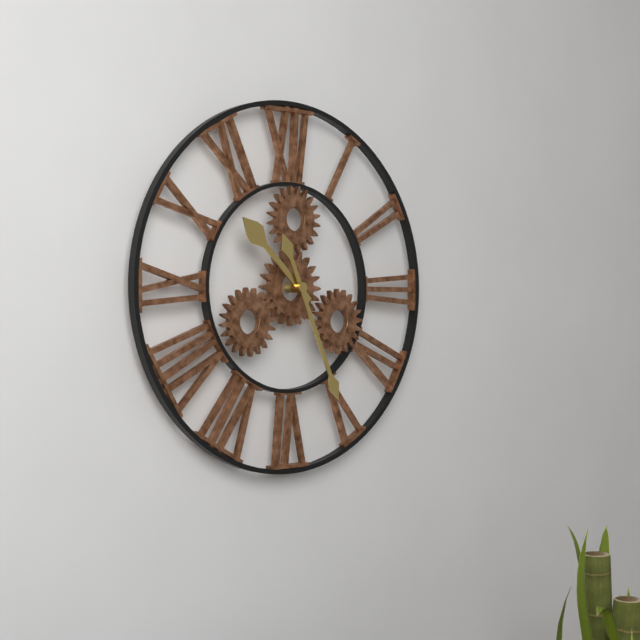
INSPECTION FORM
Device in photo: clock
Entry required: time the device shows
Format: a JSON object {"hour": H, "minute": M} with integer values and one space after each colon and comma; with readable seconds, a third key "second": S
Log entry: {"hour": 10, "minute": 26}
